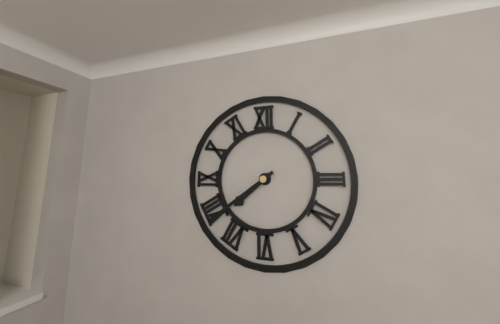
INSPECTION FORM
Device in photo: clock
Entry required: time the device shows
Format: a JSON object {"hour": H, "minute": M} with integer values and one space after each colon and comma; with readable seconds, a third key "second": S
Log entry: {"hour": 7, "minute": 39}
